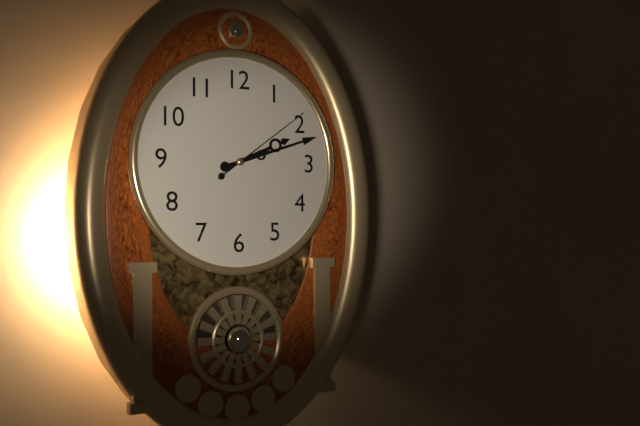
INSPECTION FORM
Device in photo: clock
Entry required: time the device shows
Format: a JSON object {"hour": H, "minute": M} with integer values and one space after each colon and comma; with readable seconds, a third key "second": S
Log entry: {"hour": 2, "minute": 12, "second": 9}
